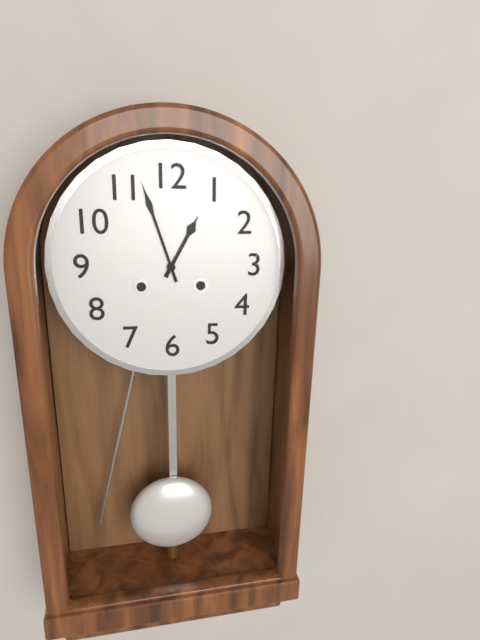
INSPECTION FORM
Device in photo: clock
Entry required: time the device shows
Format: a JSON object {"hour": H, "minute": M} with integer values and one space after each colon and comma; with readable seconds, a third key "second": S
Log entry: {"hour": 12, "minute": 57}
